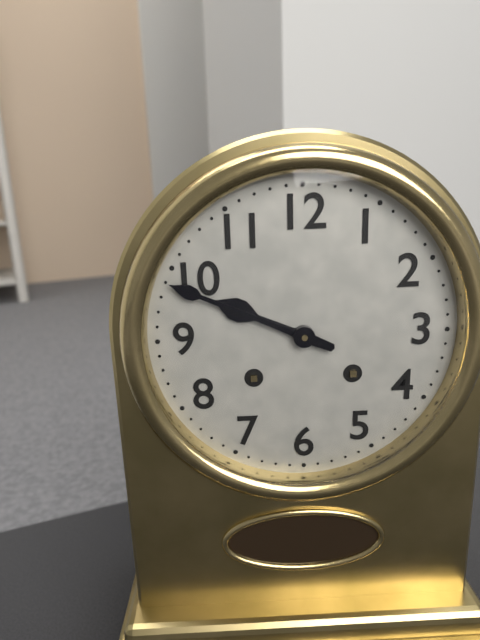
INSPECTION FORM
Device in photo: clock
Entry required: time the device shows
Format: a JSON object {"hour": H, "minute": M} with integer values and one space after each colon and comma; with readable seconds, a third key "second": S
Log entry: {"hour": 9, "minute": 49}
